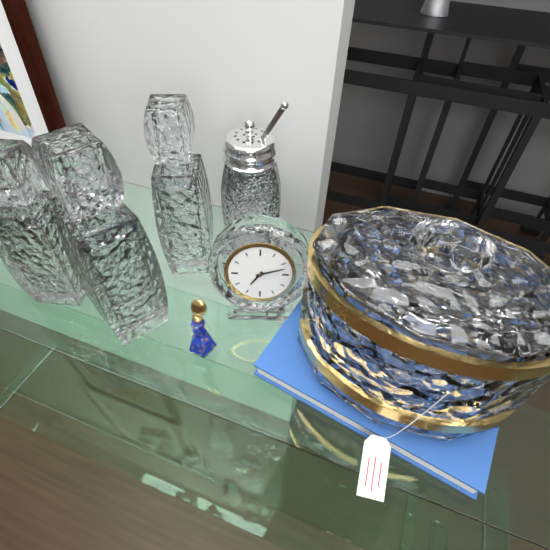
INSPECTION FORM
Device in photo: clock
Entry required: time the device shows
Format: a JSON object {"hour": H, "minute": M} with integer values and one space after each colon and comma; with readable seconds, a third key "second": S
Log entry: {"hour": 7, "minute": 12}
